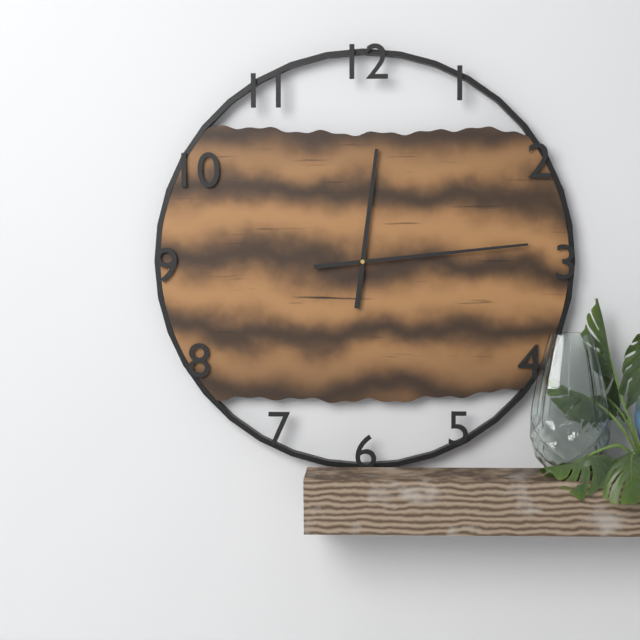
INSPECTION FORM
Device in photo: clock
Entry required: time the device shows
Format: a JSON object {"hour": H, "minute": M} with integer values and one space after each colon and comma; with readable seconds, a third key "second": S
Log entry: {"hour": 12, "minute": 14}
